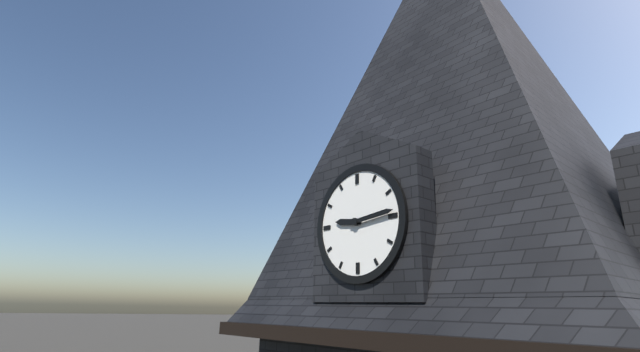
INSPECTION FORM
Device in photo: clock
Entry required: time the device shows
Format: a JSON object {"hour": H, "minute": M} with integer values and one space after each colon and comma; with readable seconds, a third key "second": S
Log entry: {"hour": 9, "minute": 14}
